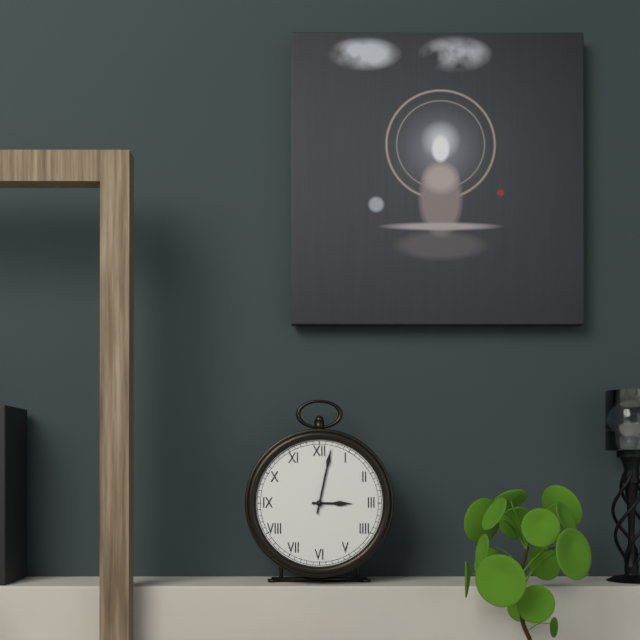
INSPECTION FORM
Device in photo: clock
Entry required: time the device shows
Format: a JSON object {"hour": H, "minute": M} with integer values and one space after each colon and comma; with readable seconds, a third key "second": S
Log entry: {"hour": 3, "minute": 2}
